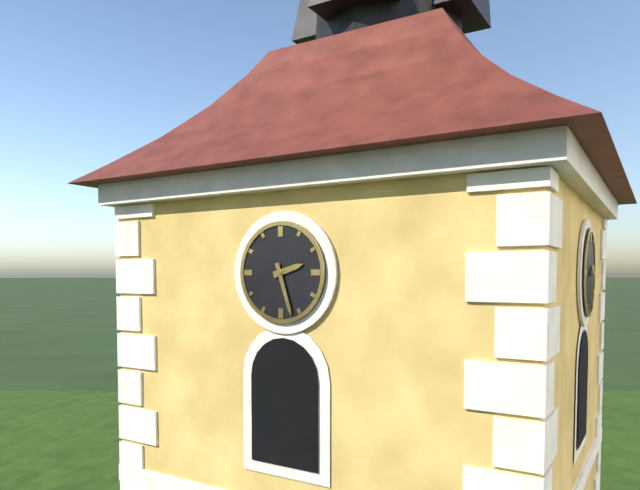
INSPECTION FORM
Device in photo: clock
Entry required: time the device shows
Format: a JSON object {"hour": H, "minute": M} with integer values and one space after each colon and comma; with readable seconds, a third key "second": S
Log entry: {"hour": 2, "minute": 27}
